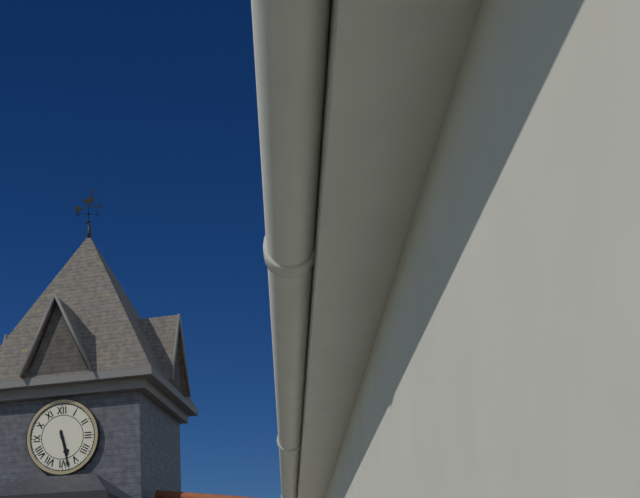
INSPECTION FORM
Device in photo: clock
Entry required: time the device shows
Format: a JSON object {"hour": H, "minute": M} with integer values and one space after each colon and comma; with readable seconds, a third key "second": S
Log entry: {"hour": 5, "minute": 28}
